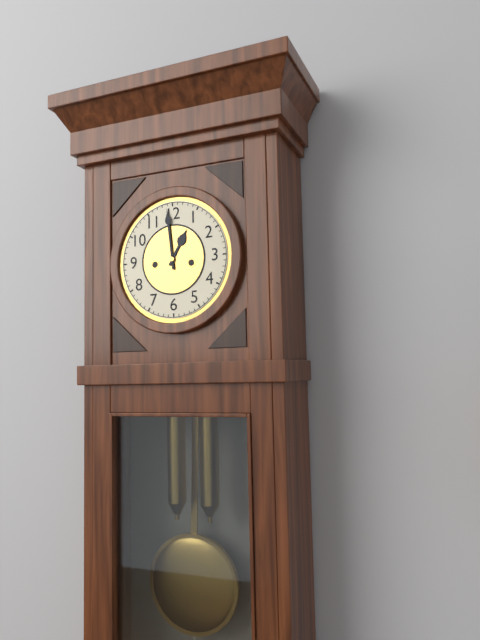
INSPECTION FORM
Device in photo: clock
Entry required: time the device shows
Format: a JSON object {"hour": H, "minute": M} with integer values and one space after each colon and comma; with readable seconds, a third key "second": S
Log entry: {"hour": 12, "minute": 59}
